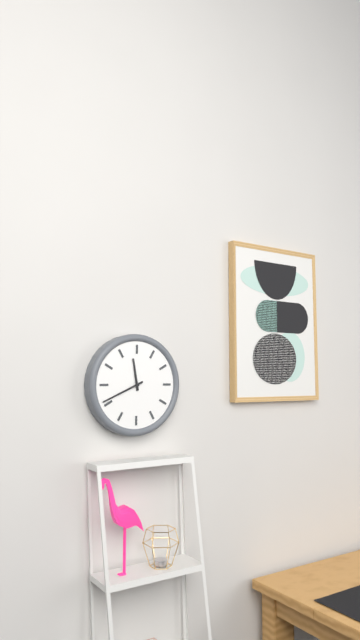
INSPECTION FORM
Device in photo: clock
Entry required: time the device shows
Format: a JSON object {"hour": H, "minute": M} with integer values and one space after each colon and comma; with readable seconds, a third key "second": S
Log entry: {"hour": 11, "minute": 41}
